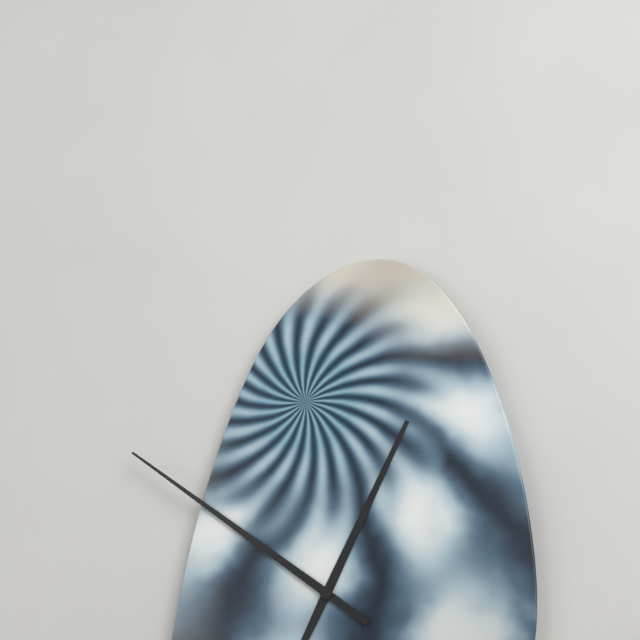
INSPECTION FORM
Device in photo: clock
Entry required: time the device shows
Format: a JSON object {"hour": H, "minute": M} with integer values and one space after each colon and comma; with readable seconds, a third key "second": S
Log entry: {"hour": 12, "minute": 51}
